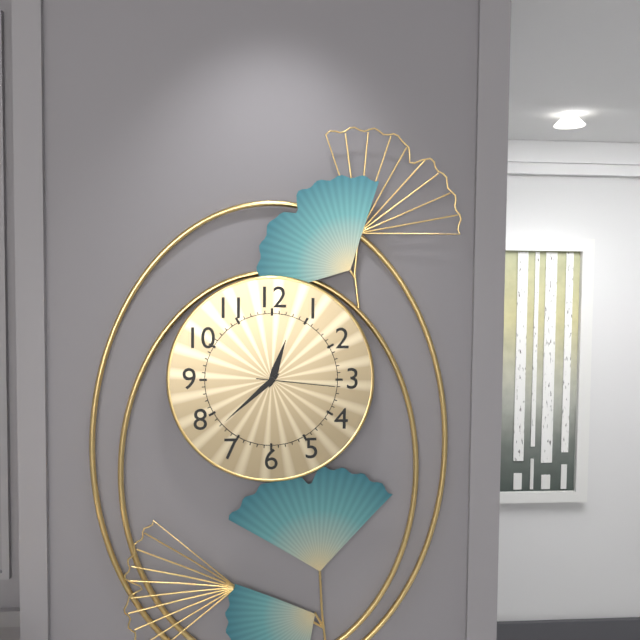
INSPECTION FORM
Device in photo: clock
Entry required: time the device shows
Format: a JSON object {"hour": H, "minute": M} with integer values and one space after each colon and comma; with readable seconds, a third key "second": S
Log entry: {"hour": 12, "minute": 38, "second": 16}
